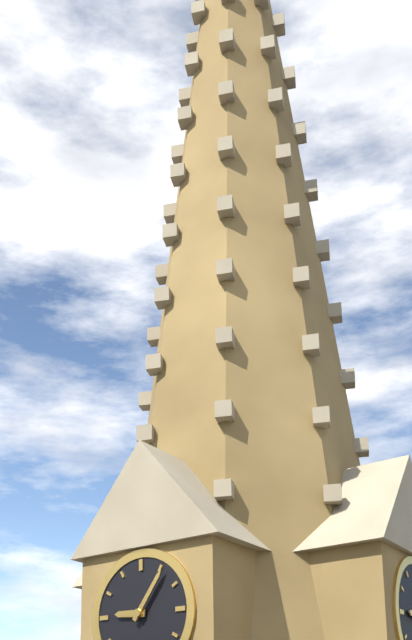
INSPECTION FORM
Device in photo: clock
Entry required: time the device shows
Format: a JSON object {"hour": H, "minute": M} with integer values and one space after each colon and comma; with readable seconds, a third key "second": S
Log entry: {"hour": 9, "minute": 6}
